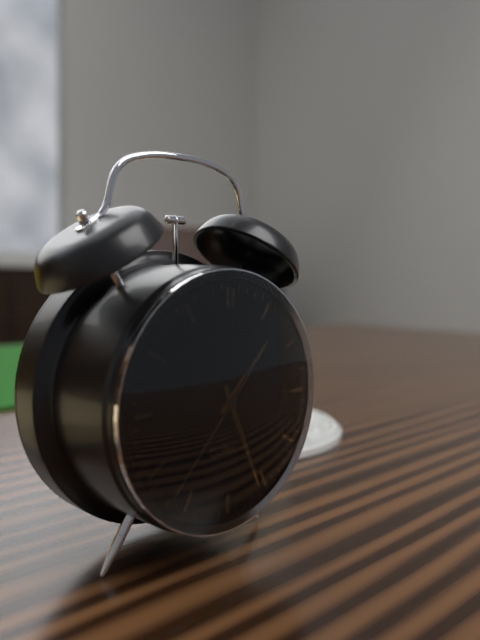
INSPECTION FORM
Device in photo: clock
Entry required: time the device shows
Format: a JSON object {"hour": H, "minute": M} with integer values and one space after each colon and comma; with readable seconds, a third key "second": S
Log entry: {"hour": 1, "minute": 26, "second": 37}
